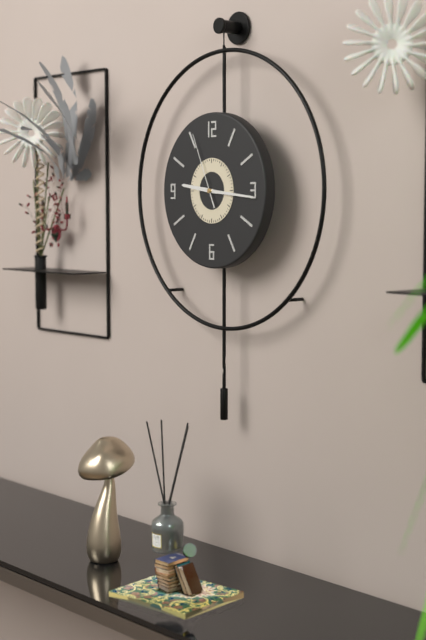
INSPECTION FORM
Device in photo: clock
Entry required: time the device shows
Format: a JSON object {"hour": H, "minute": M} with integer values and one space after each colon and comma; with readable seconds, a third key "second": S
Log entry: {"hour": 9, "minute": 16, "second": 56}
